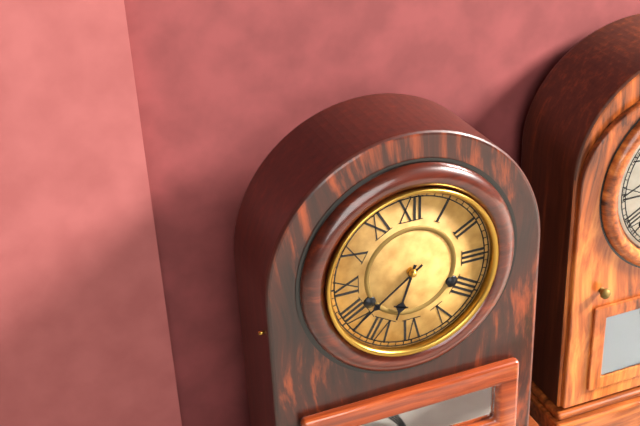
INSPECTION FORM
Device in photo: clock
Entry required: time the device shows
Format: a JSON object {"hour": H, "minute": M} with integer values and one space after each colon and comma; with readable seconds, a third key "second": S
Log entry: {"hour": 6, "minute": 39}
